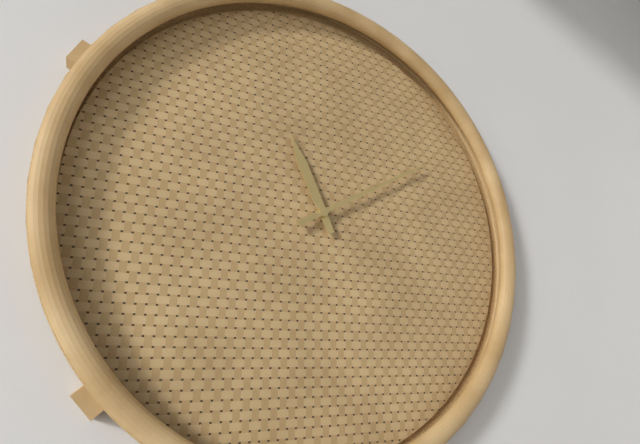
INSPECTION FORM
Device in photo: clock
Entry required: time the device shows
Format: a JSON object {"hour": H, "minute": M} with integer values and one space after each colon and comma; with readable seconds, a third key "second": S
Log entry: {"hour": 11, "minute": 10}
